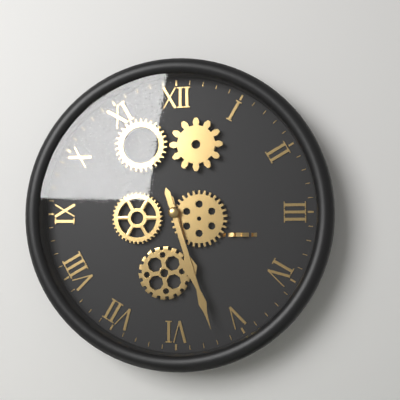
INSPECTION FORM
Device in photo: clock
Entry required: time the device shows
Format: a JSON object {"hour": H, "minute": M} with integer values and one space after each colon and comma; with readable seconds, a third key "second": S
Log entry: {"hour": 5, "minute": 27}
